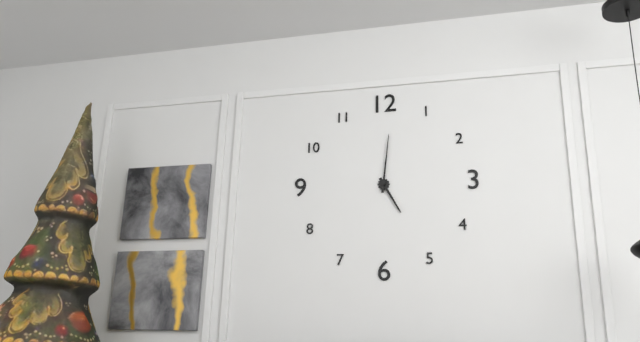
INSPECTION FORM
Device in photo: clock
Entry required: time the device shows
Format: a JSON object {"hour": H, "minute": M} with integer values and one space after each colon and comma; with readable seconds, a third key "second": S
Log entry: {"hour": 5, "minute": 1}
